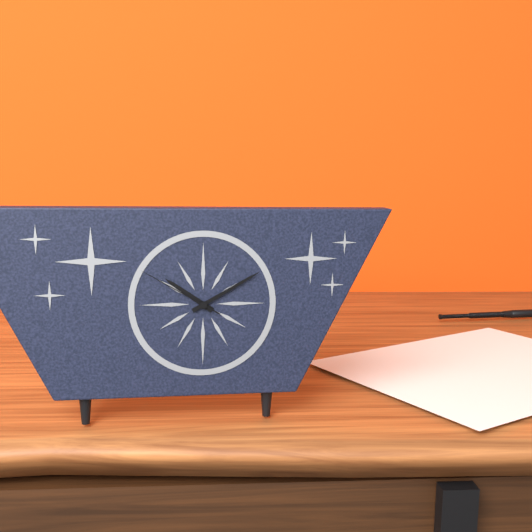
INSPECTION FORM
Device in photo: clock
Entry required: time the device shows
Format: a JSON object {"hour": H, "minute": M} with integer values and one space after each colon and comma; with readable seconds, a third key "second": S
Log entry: {"hour": 10, "minute": 10, "second": 50}
